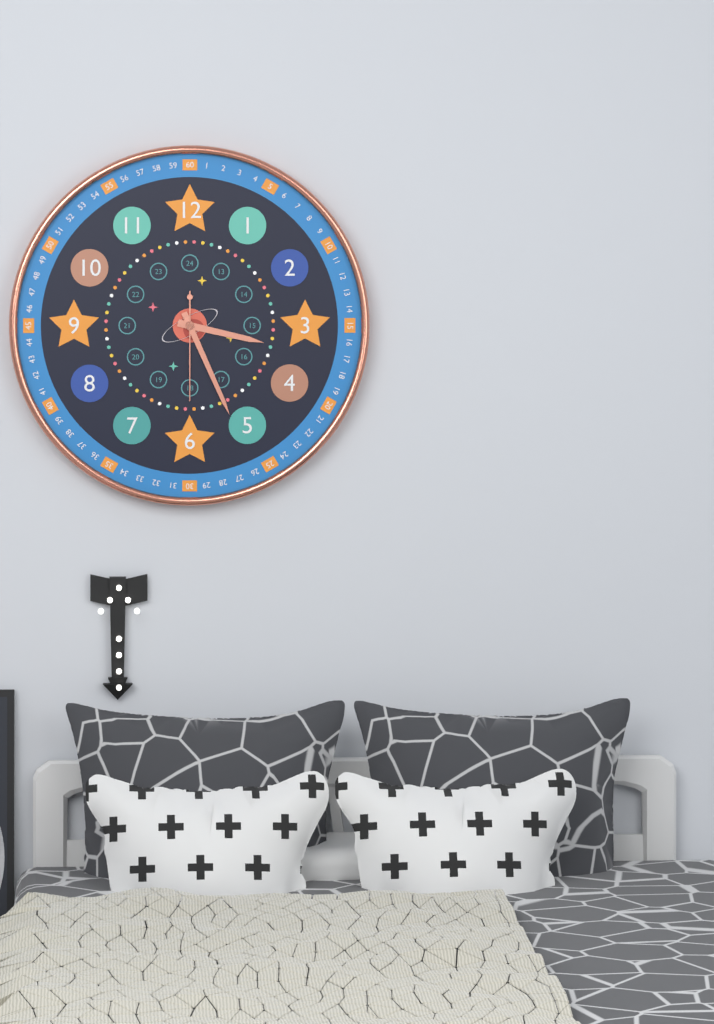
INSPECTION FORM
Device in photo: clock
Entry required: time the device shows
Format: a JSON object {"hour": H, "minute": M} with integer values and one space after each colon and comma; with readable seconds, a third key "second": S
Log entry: {"hour": 3, "minute": 26, "second": 30}
